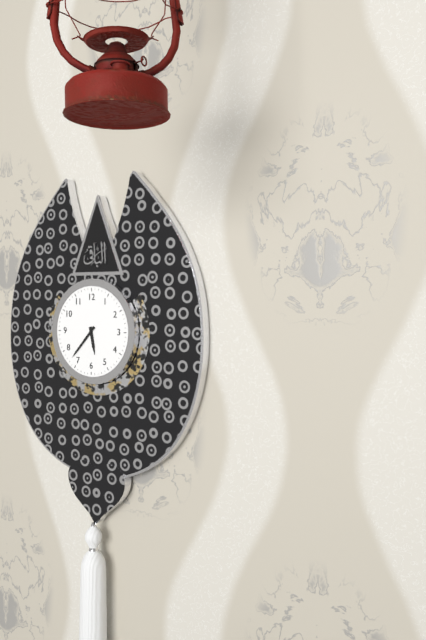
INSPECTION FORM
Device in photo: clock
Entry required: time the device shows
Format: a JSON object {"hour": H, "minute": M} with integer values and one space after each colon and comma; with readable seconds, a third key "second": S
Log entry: {"hour": 5, "minute": 37}
